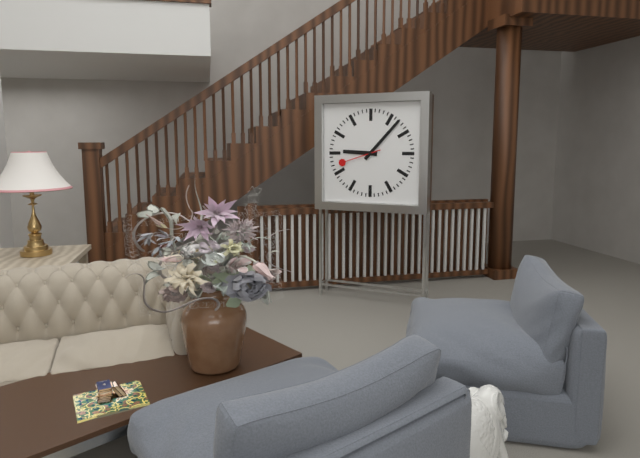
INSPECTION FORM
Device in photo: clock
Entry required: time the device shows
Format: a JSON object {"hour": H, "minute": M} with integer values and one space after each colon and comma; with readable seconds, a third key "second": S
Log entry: {"hour": 9, "minute": 7}
